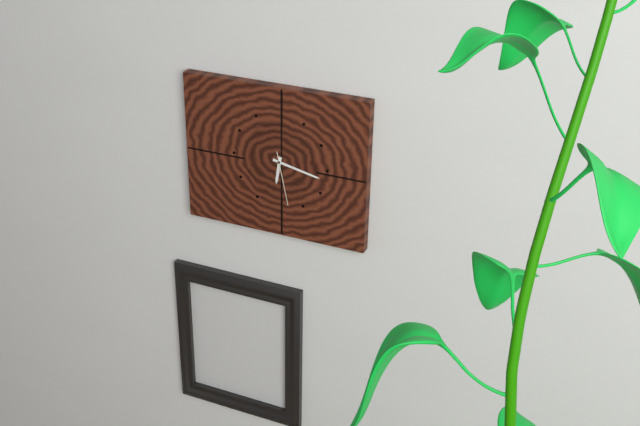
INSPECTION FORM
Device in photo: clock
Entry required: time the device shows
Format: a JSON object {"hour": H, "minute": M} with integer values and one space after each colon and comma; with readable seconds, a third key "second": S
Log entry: {"hour": 6, "minute": 17, "second": 28}
